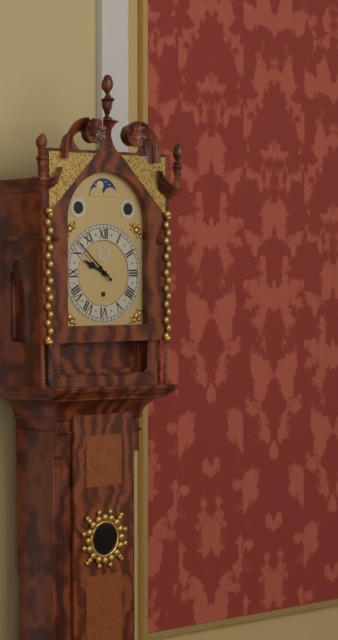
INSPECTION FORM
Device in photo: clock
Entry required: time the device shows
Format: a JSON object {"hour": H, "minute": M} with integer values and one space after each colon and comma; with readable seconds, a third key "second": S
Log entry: {"hour": 9, "minute": 52}
